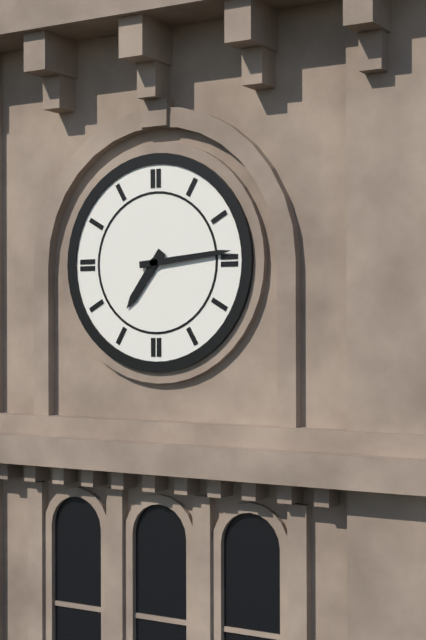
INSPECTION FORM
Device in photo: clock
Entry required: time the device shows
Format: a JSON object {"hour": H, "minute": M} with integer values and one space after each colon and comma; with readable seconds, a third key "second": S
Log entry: {"hour": 7, "minute": 14}
